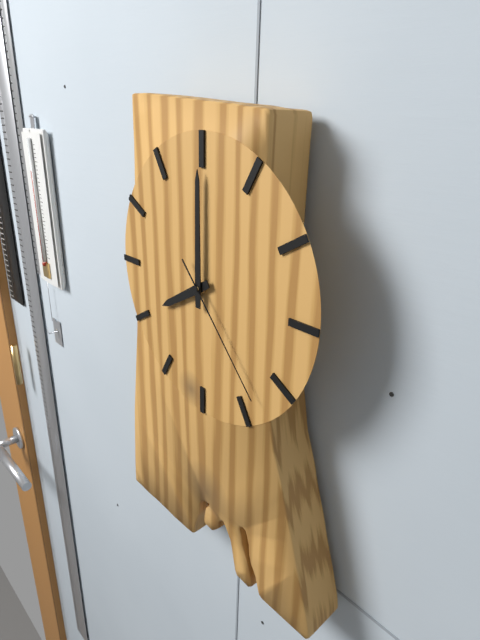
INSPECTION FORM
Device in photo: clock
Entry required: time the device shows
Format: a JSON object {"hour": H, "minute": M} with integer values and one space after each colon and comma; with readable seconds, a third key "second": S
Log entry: {"hour": 8, "minute": 0, "second": 23}
